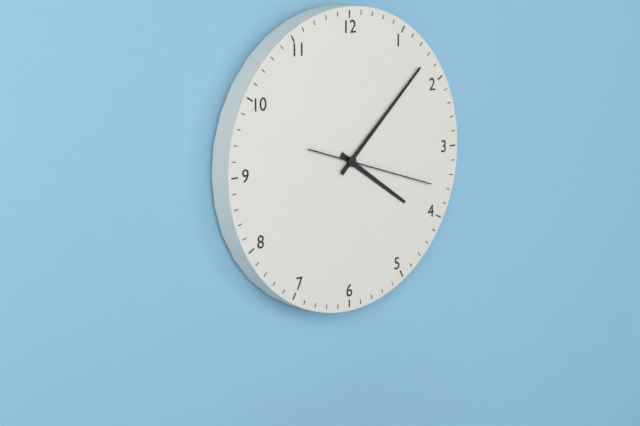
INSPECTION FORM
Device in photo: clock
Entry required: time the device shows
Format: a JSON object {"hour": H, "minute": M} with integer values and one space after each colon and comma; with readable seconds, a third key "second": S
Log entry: {"hour": 4, "minute": 8, "second": 18}
